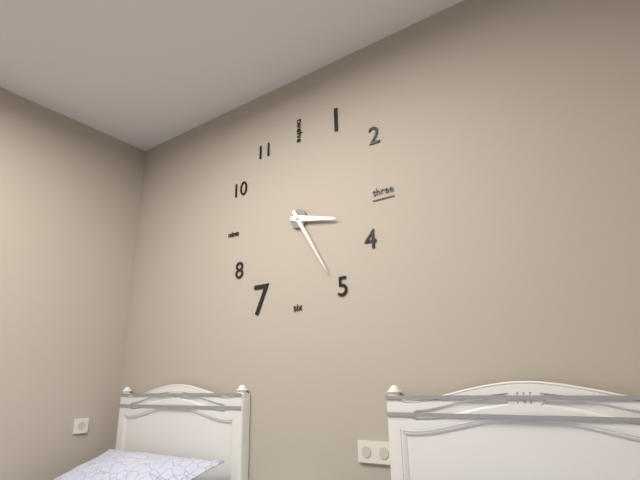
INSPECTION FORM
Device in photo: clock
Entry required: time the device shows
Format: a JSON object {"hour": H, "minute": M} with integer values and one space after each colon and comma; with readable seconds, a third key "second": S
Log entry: {"hour": 3, "minute": 25}
